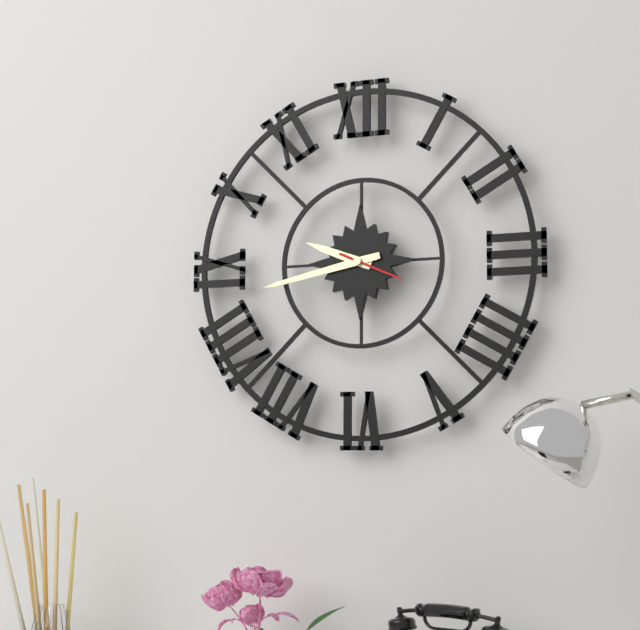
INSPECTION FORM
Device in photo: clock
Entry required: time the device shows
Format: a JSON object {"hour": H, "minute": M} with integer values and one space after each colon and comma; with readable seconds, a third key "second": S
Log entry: {"hour": 9, "minute": 43, "second": 19}
